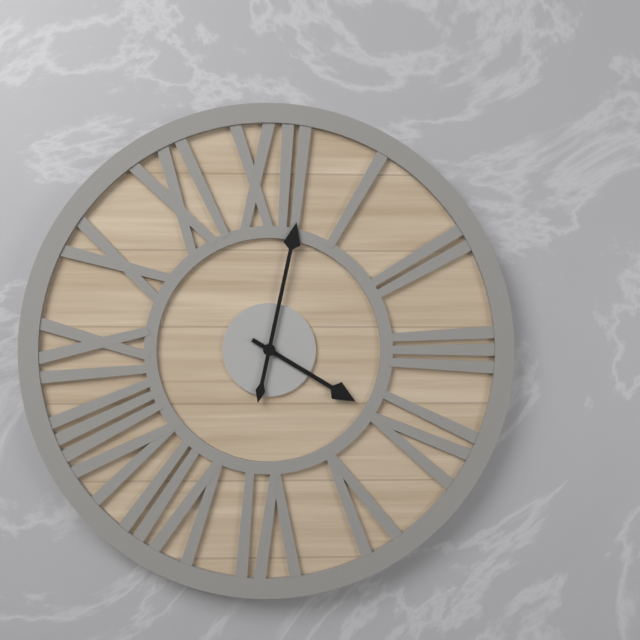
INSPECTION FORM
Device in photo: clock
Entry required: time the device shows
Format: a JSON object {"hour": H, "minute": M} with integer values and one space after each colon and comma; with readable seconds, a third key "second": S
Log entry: {"hour": 4, "minute": 2}
